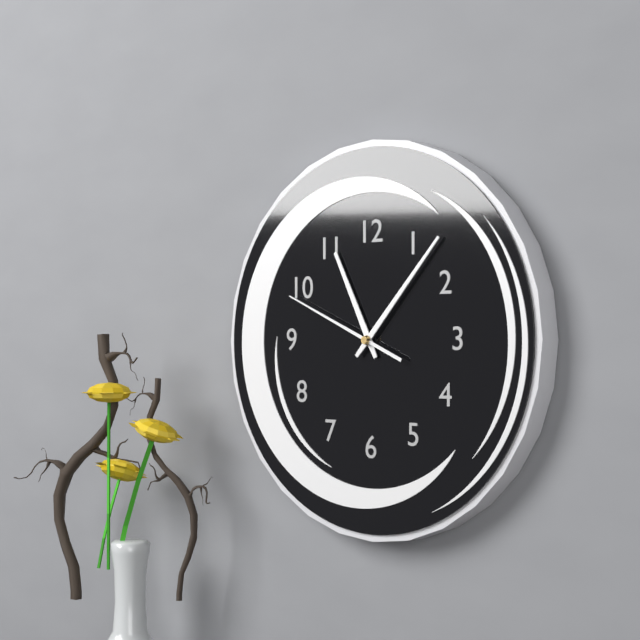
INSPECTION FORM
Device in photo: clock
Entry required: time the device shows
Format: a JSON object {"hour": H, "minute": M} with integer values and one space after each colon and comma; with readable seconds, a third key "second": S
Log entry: {"hour": 11, "minute": 7, "second": 49}
